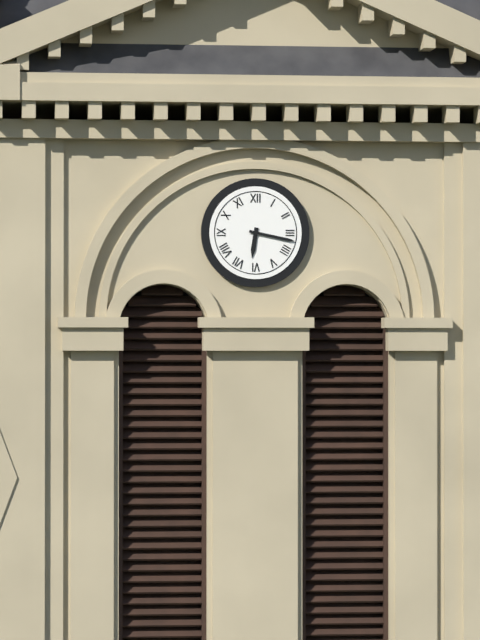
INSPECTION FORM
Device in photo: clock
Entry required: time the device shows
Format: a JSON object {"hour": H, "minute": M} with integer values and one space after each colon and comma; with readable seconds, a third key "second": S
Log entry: {"hour": 6, "minute": 17}
